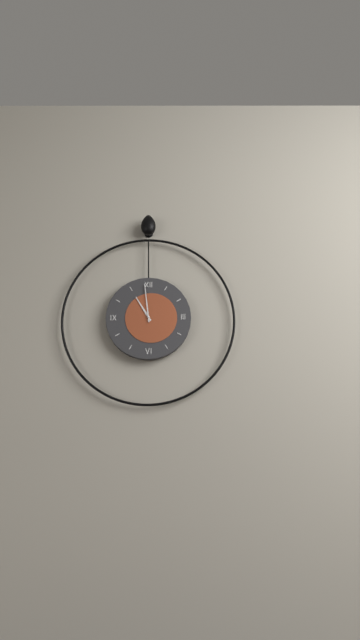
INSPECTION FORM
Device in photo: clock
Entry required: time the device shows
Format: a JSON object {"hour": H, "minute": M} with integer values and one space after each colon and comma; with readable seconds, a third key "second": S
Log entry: {"hour": 10, "minute": 59}
